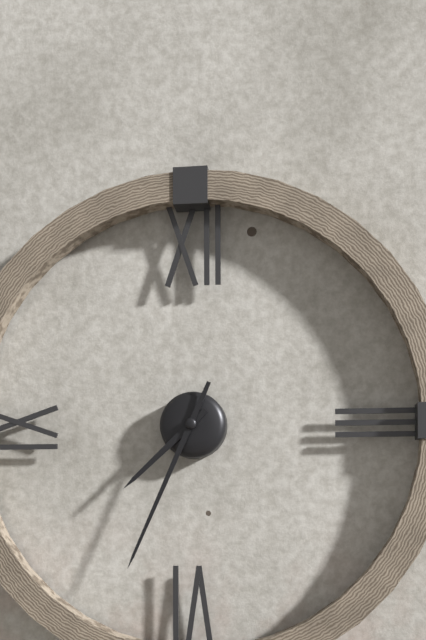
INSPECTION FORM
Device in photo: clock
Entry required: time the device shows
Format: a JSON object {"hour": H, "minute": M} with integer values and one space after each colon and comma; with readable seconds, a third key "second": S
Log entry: {"hour": 7, "minute": 34}
